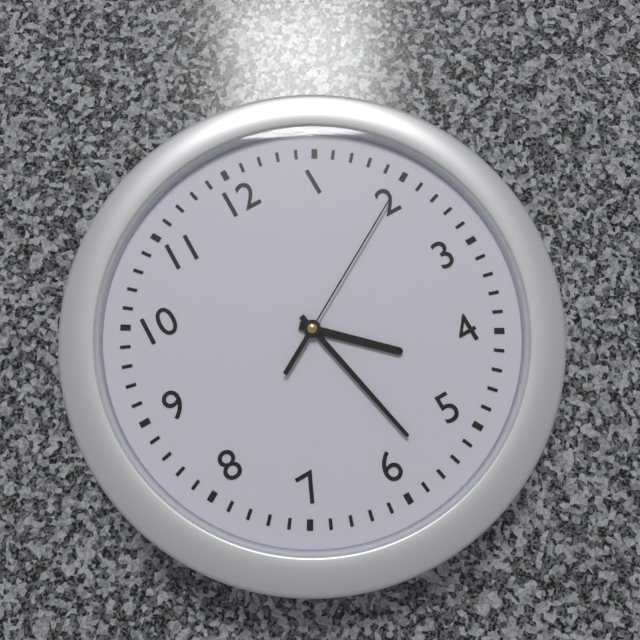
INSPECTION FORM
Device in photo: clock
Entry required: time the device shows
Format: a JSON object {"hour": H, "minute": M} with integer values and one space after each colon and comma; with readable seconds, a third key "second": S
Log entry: {"hour": 4, "minute": 28, "second": 10}
